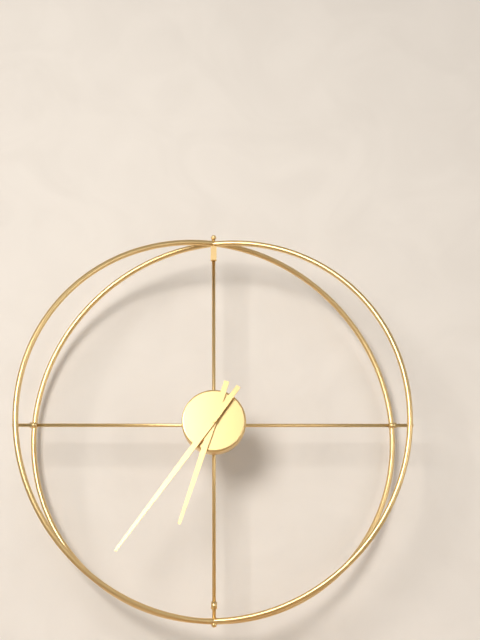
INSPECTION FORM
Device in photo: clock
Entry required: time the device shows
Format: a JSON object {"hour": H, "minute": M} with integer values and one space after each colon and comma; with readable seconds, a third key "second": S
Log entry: {"hour": 6, "minute": 36}
